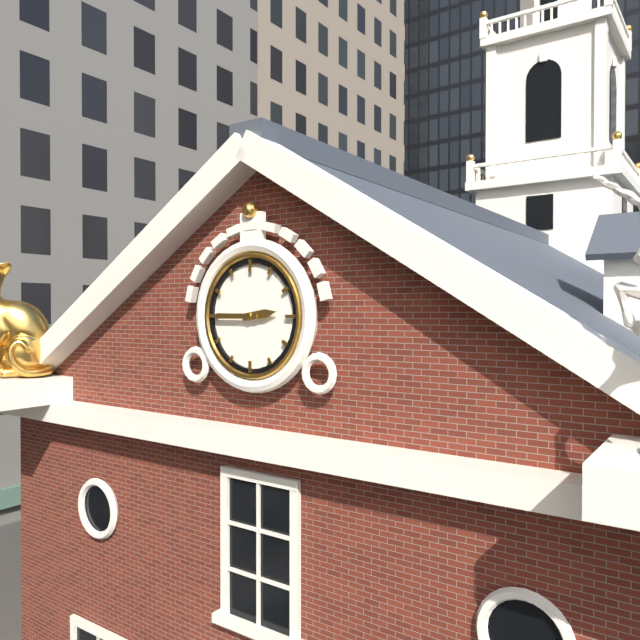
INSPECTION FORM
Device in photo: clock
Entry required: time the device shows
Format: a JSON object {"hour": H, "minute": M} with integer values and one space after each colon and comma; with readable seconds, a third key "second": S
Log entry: {"hour": 2, "minute": 45}
